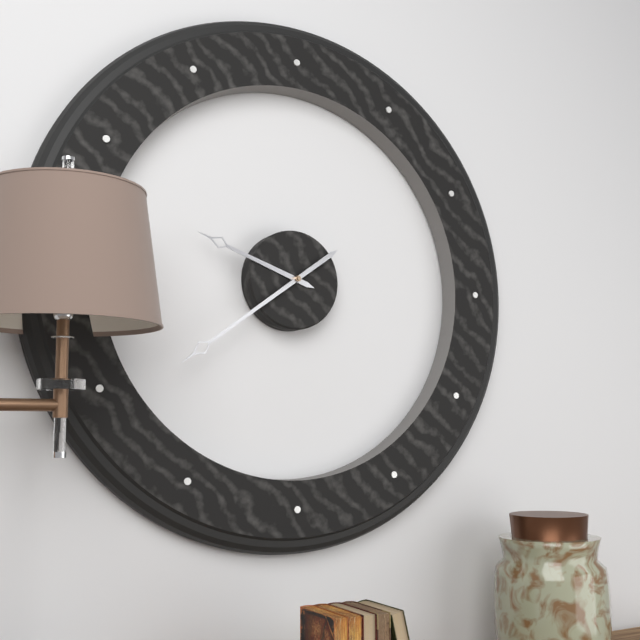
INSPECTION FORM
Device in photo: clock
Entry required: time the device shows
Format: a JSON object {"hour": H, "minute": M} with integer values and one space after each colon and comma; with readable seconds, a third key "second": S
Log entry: {"hour": 9, "minute": 39}
